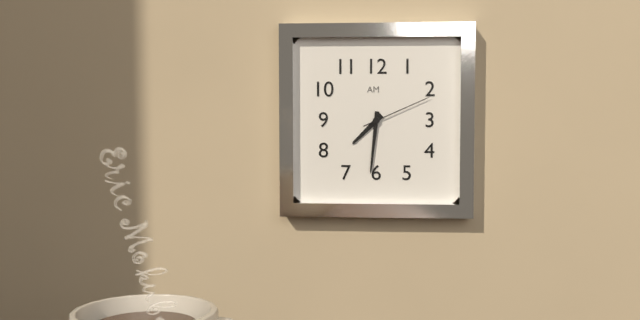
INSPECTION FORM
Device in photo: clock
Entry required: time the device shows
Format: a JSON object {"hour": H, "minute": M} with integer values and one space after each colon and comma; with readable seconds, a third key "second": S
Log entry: {"hour": 7, "minute": 31, "second": 11}
